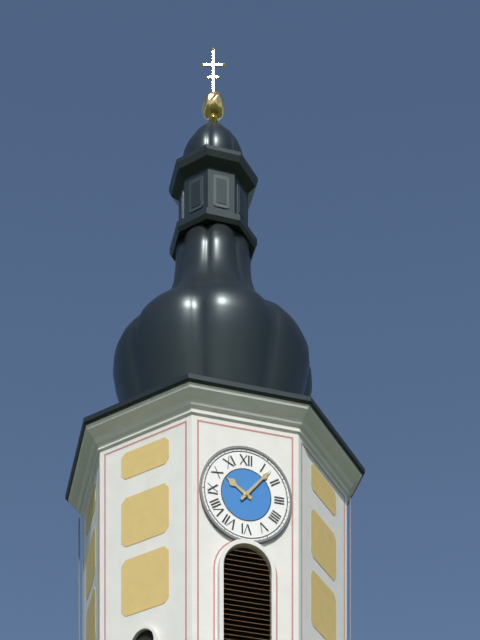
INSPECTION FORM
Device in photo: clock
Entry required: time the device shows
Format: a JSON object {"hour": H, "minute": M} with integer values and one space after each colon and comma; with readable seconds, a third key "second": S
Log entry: {"hour": 10, "minute": 7}
